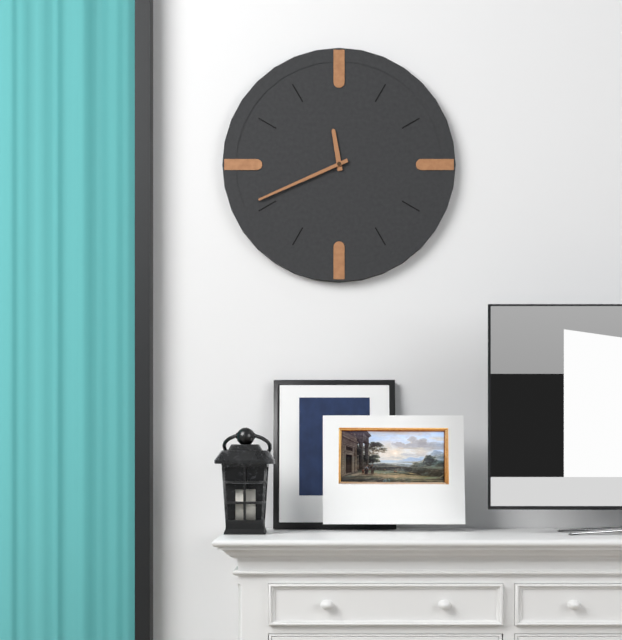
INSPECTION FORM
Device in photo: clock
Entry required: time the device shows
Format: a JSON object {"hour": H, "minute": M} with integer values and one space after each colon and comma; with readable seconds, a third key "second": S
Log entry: {"hour": 11, "minute": 41}
